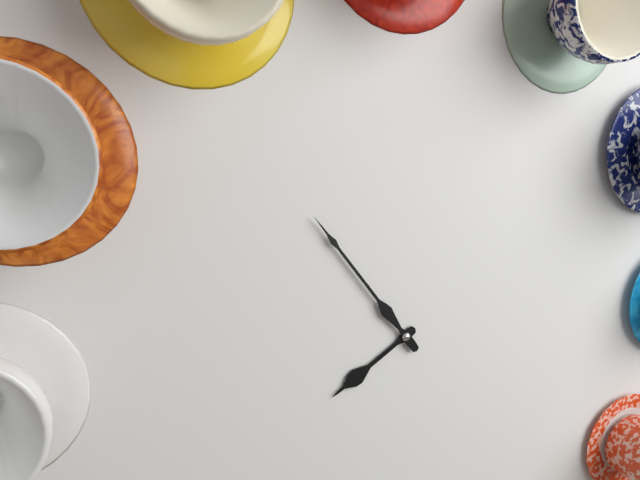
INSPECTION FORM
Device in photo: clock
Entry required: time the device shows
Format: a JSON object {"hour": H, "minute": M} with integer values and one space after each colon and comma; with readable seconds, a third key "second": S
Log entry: {"hour": 7, "minute": 54}
